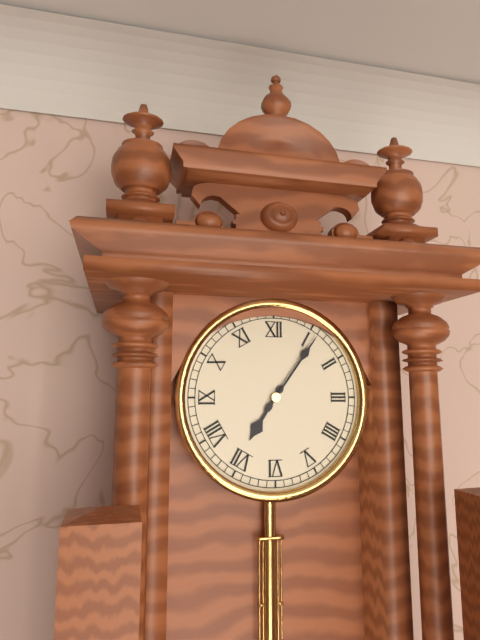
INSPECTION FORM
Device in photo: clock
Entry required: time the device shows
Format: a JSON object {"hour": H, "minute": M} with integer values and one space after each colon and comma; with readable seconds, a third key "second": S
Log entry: {"hour": 7, "minute": 6}
